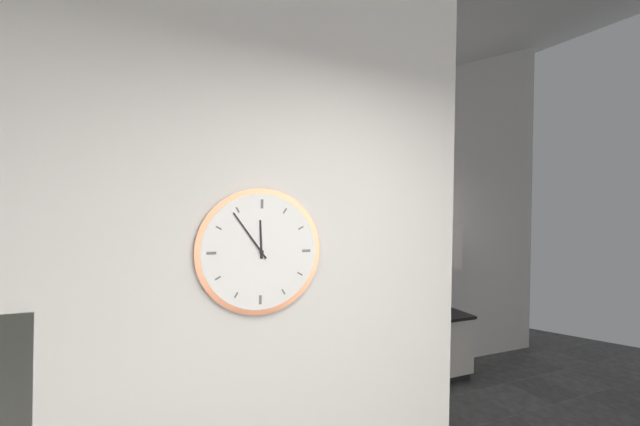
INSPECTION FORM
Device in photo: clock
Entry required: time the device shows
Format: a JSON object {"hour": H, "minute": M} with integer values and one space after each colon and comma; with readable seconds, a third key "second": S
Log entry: {"hour": 11, "minute": 54}
